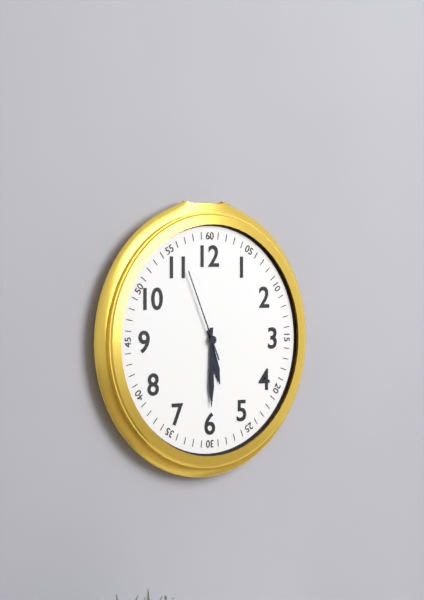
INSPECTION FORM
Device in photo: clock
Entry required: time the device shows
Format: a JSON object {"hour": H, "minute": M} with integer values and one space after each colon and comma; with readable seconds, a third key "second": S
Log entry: {"hour": 5, "minute": 30, "second": 56}
